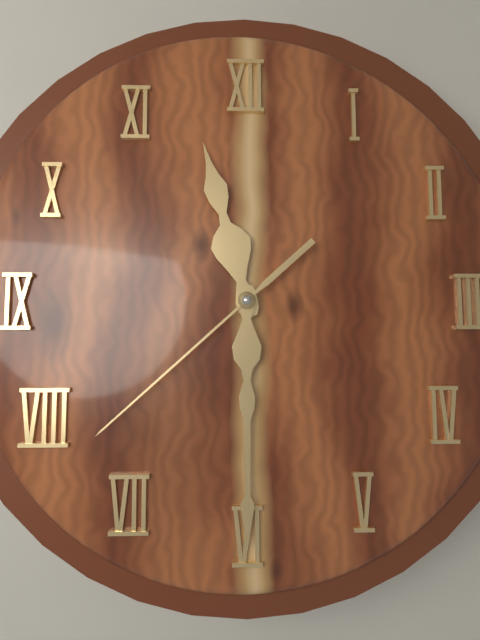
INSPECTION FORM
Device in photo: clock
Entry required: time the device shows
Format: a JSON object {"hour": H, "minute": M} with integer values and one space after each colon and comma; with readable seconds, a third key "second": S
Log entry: {"hour": 11, "minute": 30, "second": 38}
